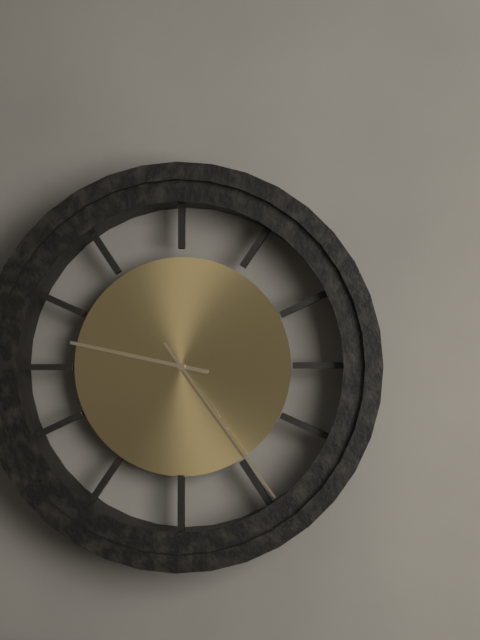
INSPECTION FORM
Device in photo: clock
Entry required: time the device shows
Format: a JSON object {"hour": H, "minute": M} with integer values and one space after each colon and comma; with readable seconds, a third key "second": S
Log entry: {"hour": 9, "minute": 24}
